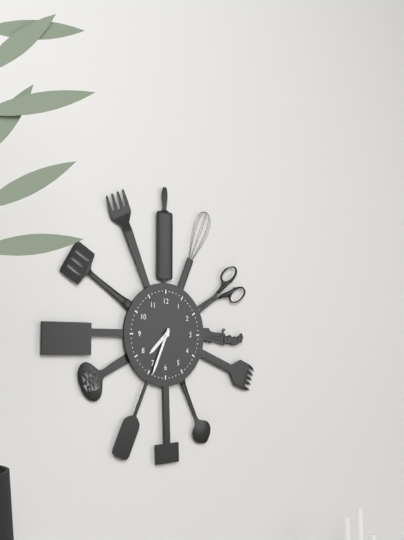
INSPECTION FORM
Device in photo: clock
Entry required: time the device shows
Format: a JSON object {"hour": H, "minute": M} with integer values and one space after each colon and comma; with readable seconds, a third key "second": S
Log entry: {"hour": 7, "minute": 34}
